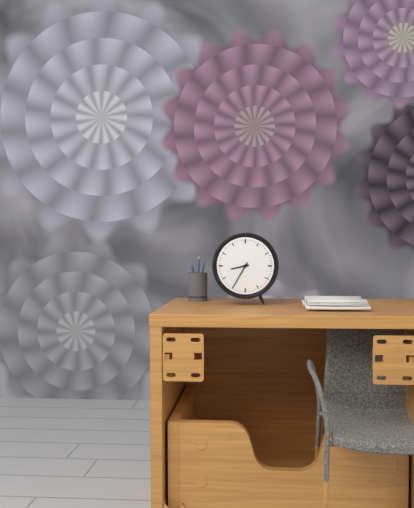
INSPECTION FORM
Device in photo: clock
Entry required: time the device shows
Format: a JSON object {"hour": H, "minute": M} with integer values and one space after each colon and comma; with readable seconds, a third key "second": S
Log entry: {"hour": 8, "minute": 35}
